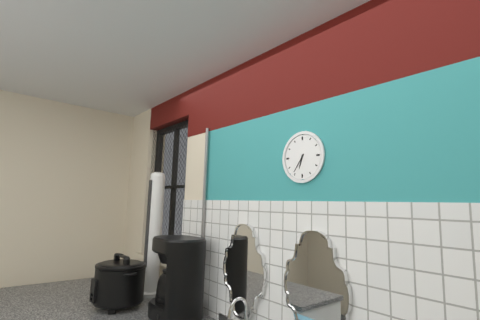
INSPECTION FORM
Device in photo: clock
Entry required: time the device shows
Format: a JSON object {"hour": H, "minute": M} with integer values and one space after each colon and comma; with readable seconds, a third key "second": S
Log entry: {"hour": 6, "minute": 36}
